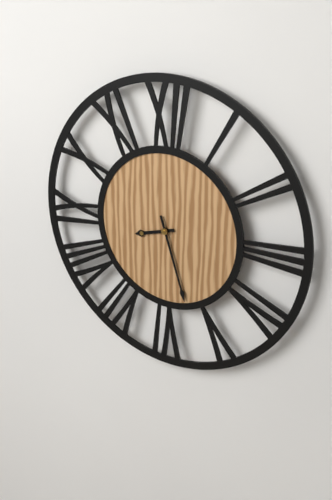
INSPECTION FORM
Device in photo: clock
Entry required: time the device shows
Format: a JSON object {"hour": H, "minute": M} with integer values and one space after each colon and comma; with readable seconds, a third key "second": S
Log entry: {"hour": 8, "minute": 27}
